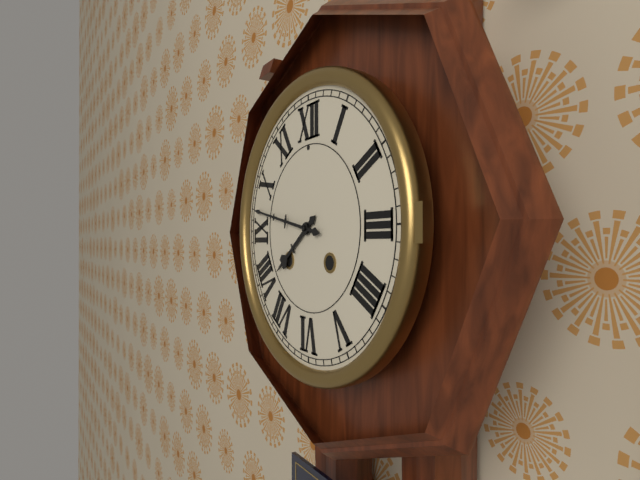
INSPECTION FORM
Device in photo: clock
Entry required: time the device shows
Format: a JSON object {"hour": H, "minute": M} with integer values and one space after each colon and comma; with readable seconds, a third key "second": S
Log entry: {"hour": 7, "minute": 47}
